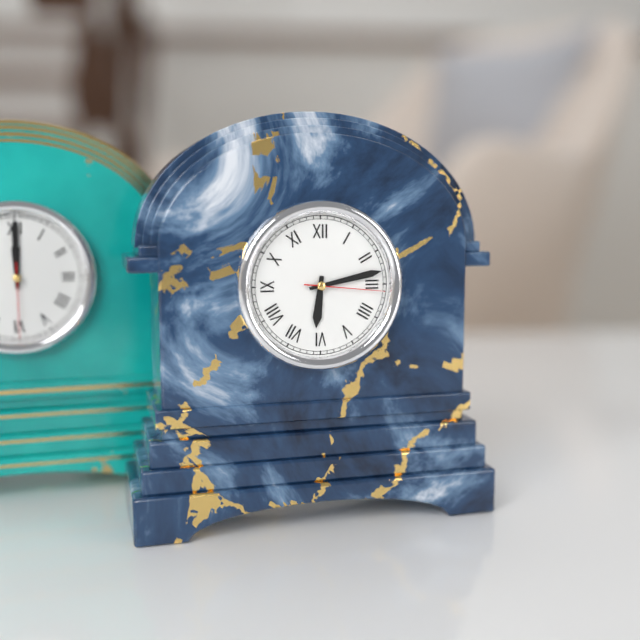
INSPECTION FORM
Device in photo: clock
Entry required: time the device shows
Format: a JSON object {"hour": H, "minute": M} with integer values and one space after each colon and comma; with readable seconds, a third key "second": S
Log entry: {"hour": 6, "minute": 13, "second": 16}
